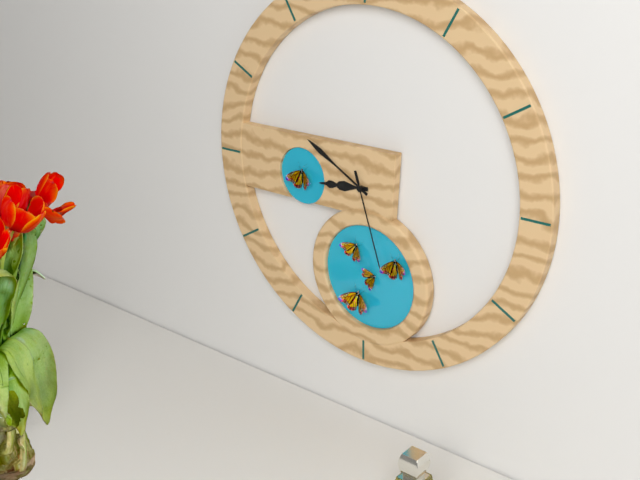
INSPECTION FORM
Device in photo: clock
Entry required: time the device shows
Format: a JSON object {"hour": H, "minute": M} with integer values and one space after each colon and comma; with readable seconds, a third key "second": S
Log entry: {"hour": 8, "minute": 50, "second": 27}
